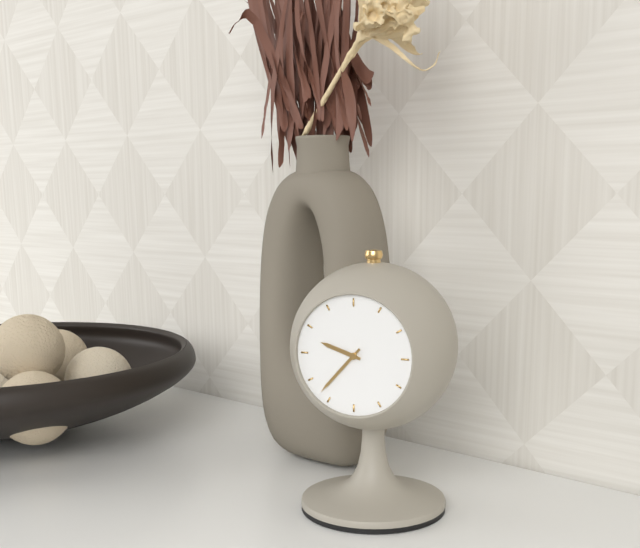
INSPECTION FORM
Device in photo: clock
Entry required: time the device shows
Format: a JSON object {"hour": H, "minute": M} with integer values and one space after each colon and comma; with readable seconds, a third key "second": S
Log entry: {"hour": 9, "minute": 37}
